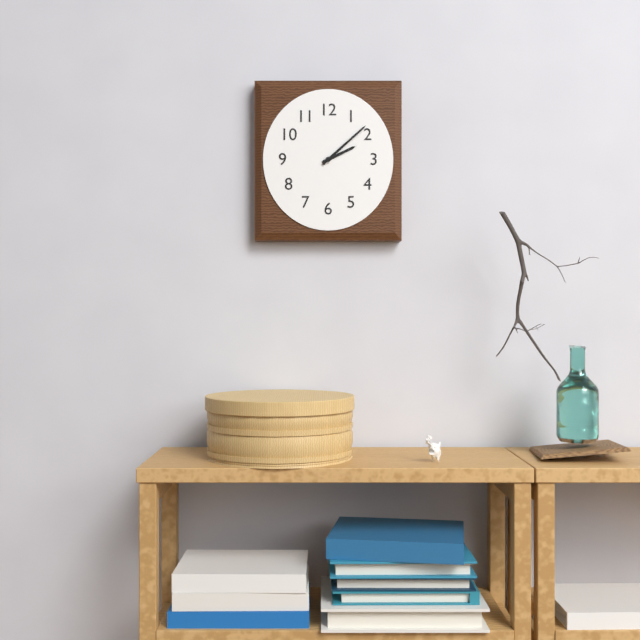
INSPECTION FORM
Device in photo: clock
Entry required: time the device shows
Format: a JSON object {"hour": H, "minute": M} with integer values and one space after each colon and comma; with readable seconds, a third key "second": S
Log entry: {"hour": 2, "minute": 8}
